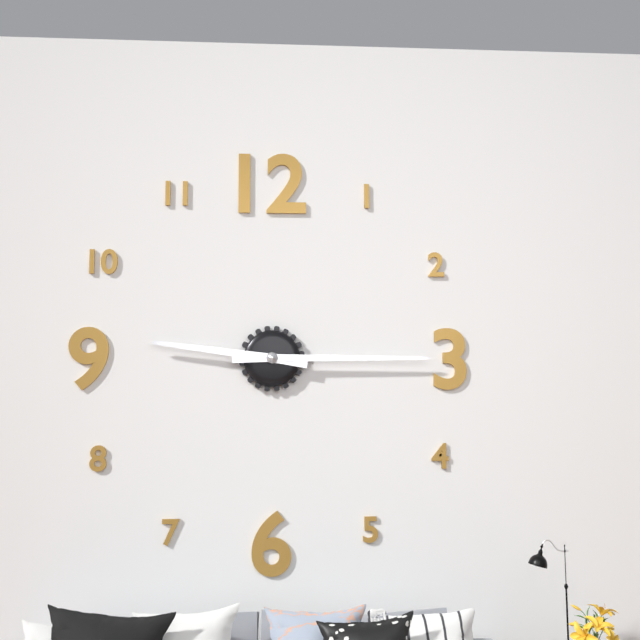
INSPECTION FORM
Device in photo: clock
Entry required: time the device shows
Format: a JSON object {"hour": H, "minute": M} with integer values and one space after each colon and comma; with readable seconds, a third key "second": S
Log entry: {"hour": 9, "minute": 15}
